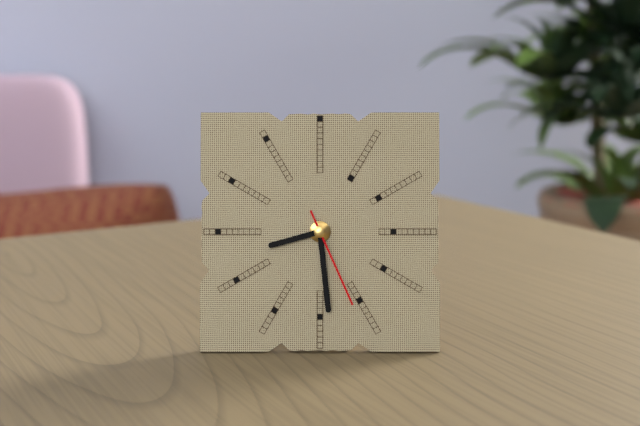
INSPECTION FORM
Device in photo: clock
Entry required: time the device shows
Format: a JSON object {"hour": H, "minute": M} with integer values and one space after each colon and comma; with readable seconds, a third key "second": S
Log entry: {"hour": 8, "minute": 29, "second": 26}
